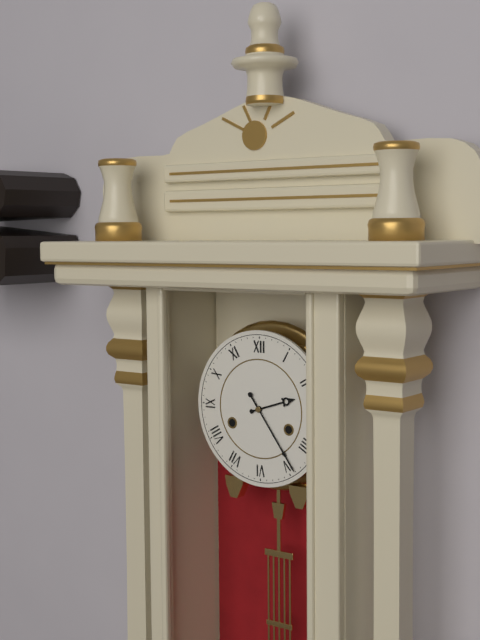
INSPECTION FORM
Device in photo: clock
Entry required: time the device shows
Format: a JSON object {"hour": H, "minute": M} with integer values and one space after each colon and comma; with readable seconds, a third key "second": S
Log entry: {"hour": 2, "minute": 24}
